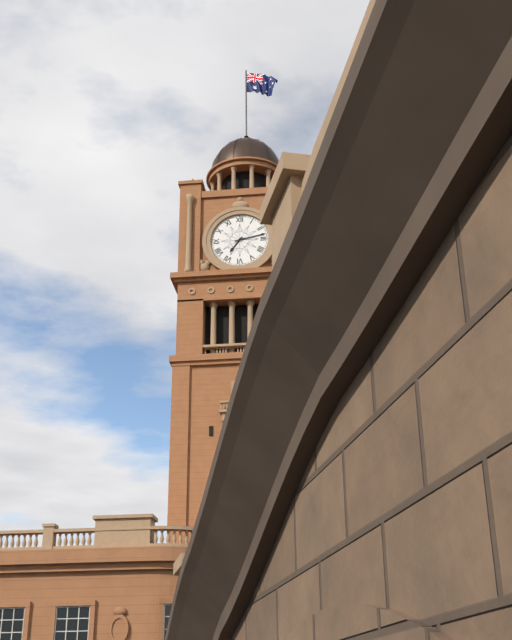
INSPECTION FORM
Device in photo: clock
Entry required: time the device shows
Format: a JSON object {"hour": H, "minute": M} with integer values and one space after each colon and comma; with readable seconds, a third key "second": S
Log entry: {"hour": 7, "minute": 13}
